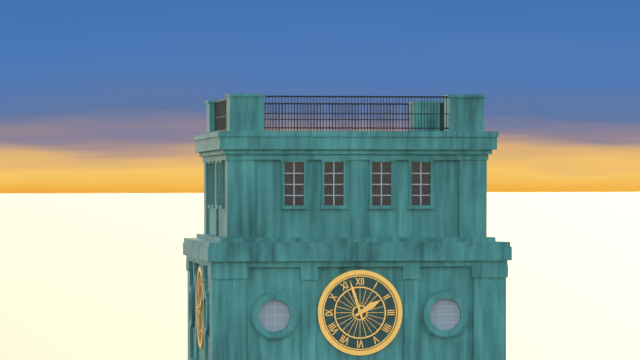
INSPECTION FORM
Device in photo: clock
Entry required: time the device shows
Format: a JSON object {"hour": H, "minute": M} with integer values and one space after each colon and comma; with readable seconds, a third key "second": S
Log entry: {"hour": 1, "minute": 57}
